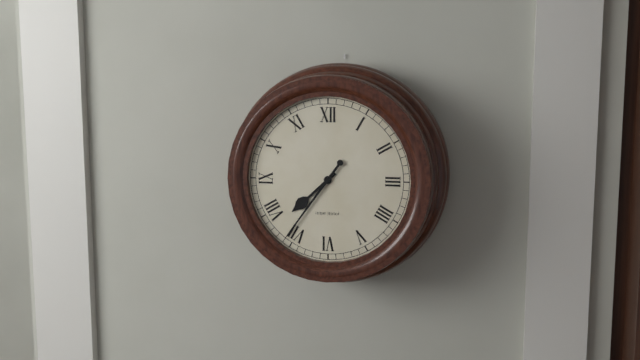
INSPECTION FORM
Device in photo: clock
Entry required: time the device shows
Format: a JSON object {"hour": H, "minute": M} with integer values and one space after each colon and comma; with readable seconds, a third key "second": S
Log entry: {"hour": 7, "minute": 36}
